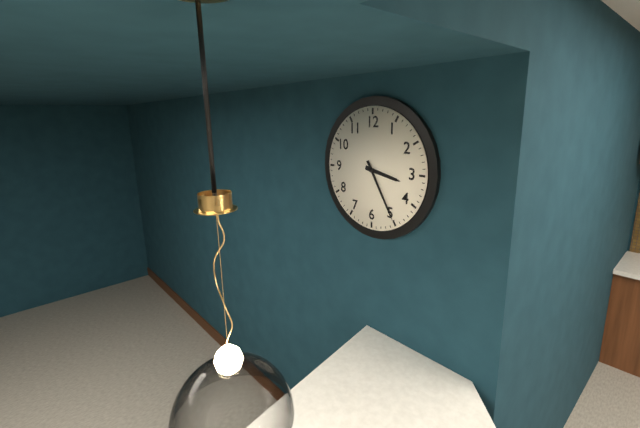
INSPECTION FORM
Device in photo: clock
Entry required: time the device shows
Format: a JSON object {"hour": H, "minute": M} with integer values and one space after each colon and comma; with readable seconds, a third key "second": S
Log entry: {"hour": 3, "minute": 25}
